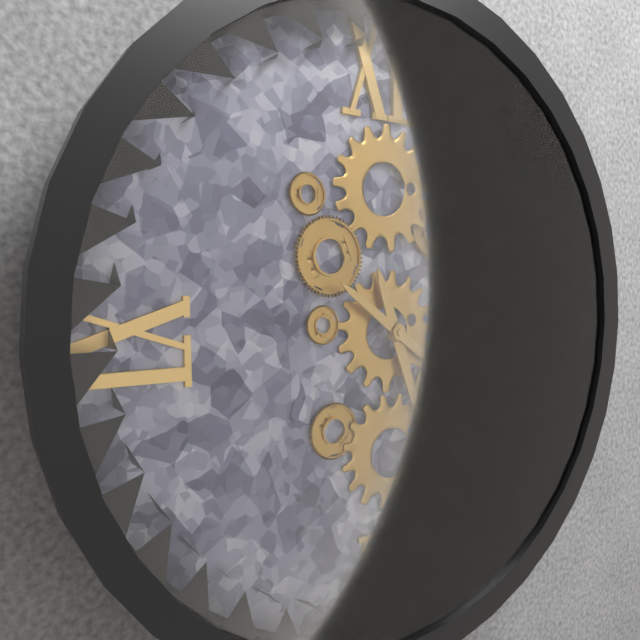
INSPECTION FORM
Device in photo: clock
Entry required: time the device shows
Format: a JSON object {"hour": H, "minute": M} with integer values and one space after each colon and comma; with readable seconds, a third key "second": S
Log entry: {"hour": 5, "minute": 21}
